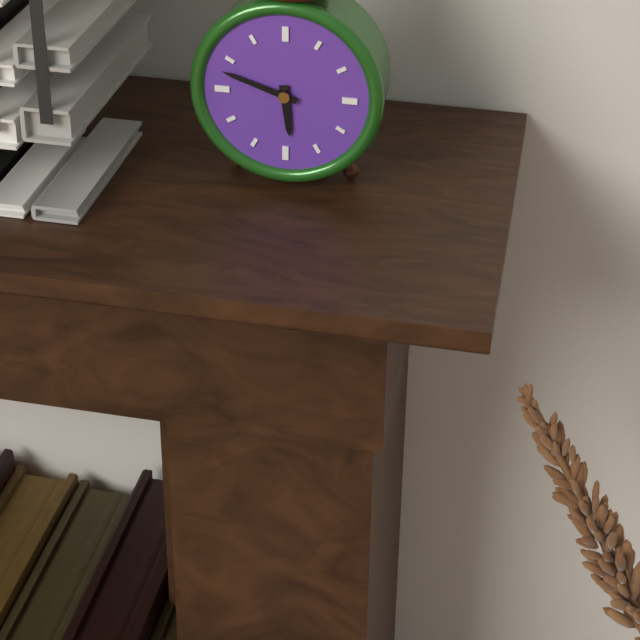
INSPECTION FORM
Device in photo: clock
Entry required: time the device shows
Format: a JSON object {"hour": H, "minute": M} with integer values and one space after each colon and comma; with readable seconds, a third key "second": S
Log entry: {"hour": 5, "minute": 48}
